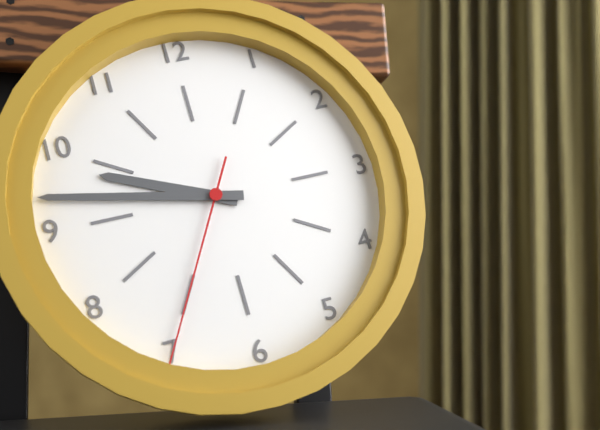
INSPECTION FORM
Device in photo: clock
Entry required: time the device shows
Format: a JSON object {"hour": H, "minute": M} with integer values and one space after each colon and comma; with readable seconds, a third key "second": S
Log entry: {"hour": 9, "minute": 47, "second": 35}
